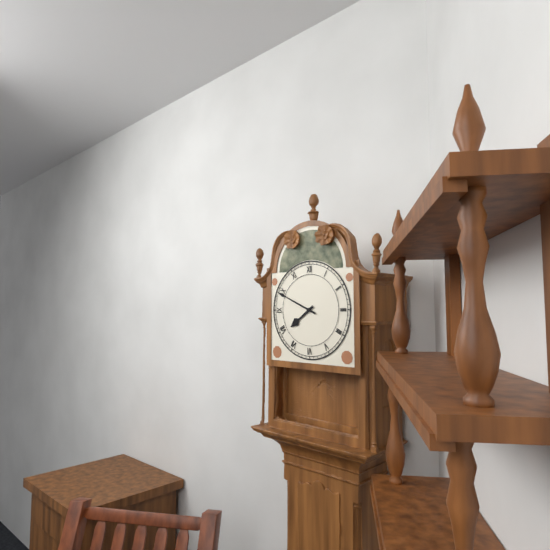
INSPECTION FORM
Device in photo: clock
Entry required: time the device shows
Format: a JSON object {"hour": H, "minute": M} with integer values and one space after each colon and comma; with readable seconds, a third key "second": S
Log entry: {"hour": 7, "minute": 49}
